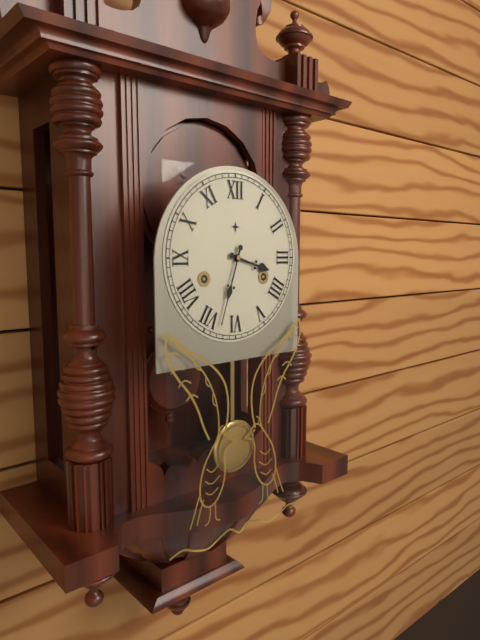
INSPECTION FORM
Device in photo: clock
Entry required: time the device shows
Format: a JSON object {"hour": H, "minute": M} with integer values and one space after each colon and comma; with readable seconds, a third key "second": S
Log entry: {"hour": 3, "minute": 33}
